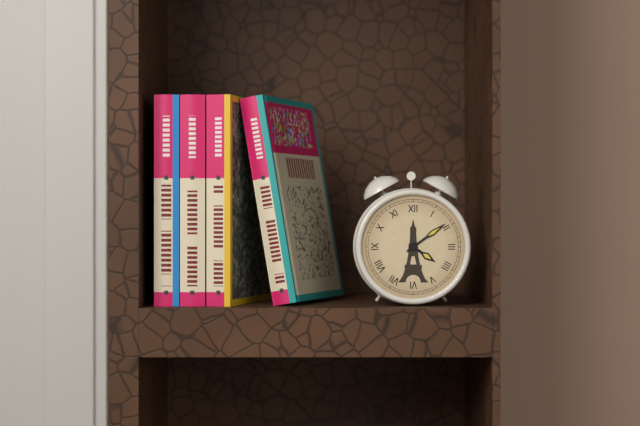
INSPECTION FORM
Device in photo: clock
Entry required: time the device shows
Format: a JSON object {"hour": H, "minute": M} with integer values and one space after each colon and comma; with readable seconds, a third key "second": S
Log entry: {"hour": 4, "minute": 9}
